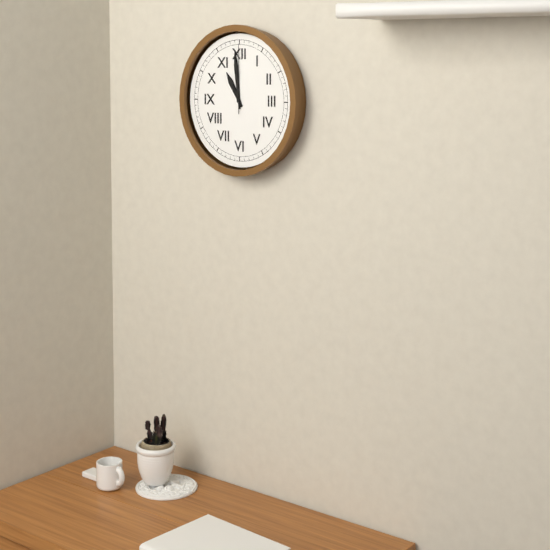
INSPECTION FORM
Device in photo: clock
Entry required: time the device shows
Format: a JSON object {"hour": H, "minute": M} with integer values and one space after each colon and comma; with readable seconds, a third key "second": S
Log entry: {"hour": 10, "minute": 59, "second": 0}
